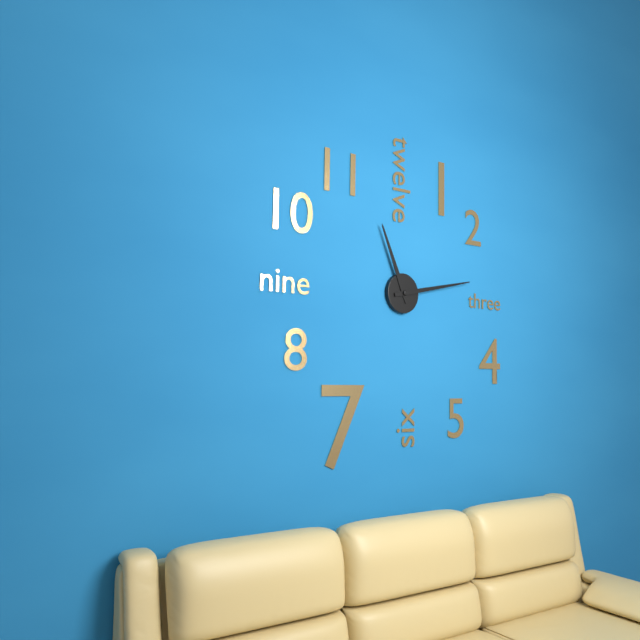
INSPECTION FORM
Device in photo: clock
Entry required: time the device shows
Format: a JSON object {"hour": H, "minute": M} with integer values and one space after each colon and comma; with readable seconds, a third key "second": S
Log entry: {"hour": 11, "minute": 13}
